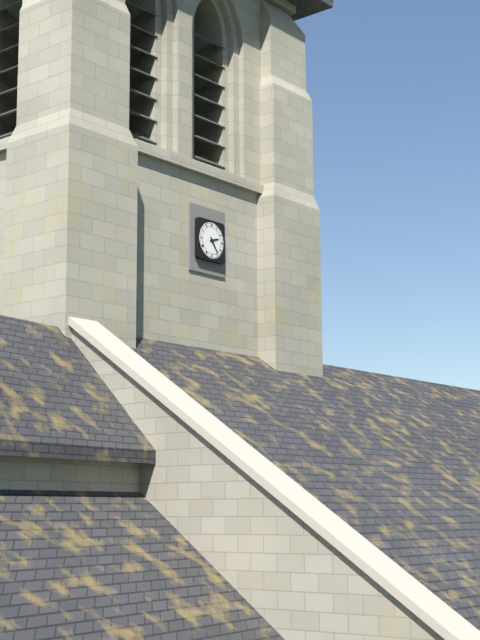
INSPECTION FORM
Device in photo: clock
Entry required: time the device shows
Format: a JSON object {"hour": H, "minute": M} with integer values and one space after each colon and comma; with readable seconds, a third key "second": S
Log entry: {"hour": 2, "minute": 24}
